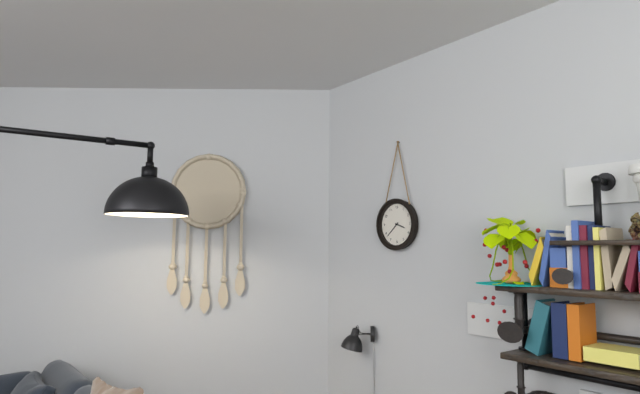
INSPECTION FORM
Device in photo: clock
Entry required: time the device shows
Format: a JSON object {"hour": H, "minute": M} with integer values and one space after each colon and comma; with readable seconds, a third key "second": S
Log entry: {"hour": 3, "minute": 38}
